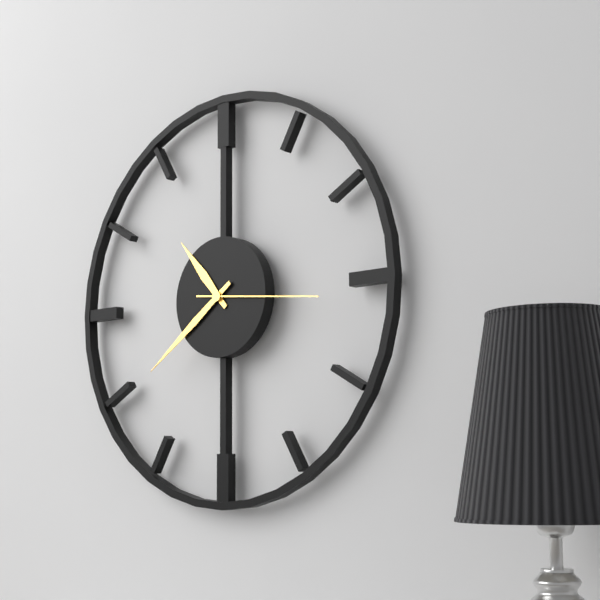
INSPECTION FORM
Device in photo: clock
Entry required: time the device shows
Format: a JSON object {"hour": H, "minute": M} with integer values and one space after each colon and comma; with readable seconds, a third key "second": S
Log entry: {"hour": 10, "minute": 39, "second": 16}
